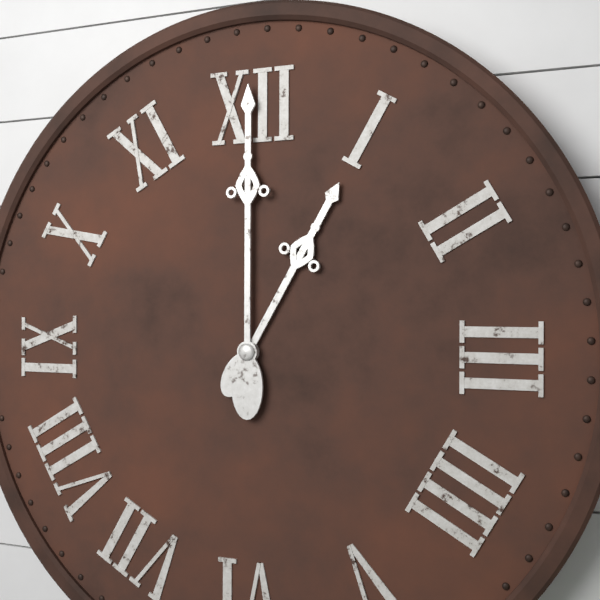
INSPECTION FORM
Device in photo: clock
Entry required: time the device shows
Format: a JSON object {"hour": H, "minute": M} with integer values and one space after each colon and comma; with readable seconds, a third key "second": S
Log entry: {"hour": 1, "minute": 0}
